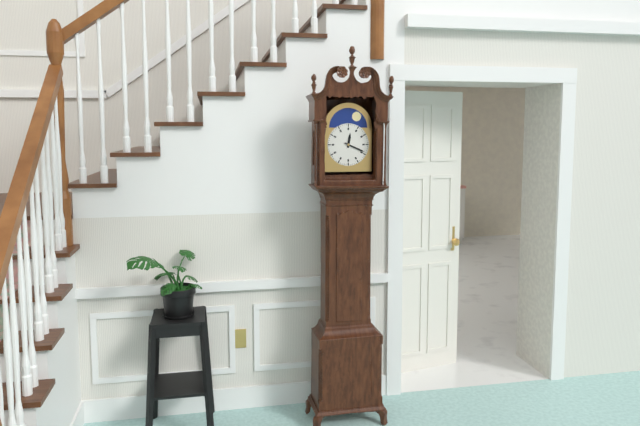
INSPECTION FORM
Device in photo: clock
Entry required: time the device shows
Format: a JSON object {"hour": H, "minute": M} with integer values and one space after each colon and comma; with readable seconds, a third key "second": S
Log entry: {"hour": 12, "minute": 19}
